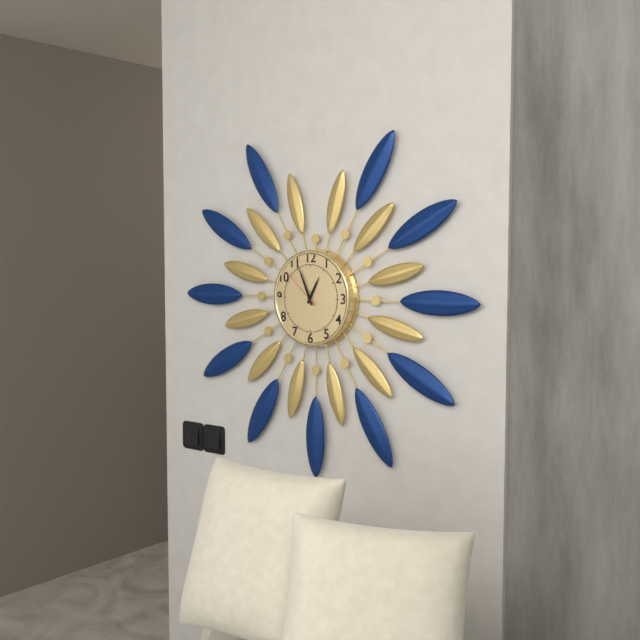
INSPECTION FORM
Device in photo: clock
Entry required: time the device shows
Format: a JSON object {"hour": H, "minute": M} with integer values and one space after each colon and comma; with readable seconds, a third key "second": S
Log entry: {"hour": 12, "minute": 56}
